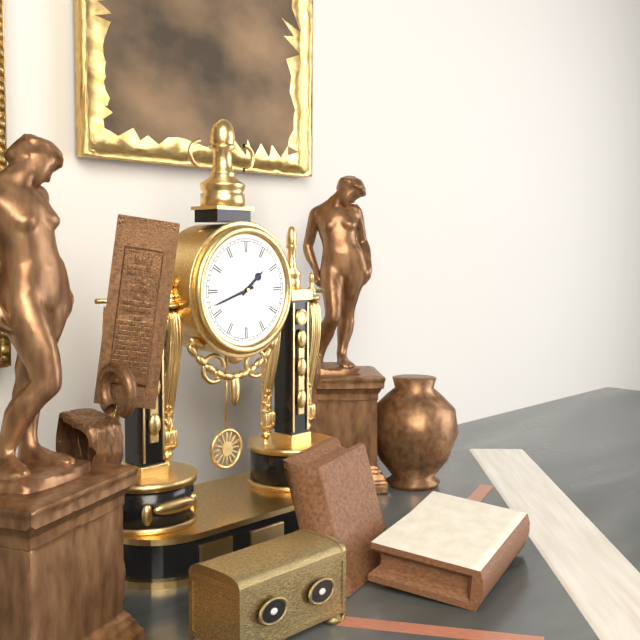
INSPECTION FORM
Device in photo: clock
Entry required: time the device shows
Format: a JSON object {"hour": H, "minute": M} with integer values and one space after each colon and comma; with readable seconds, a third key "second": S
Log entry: {"hour": 1, "minute": 42}
